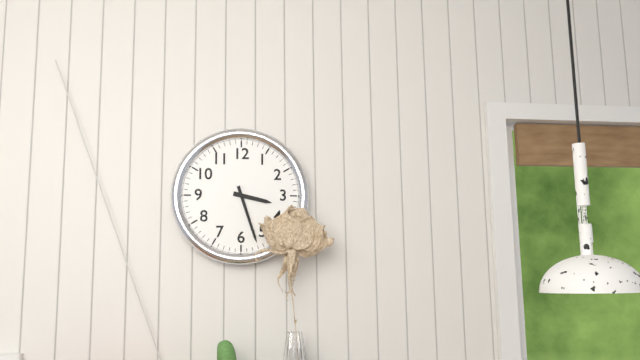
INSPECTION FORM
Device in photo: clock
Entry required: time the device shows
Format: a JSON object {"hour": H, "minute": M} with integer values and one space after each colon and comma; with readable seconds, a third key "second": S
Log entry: {"hour": 3, "minute": 27}
